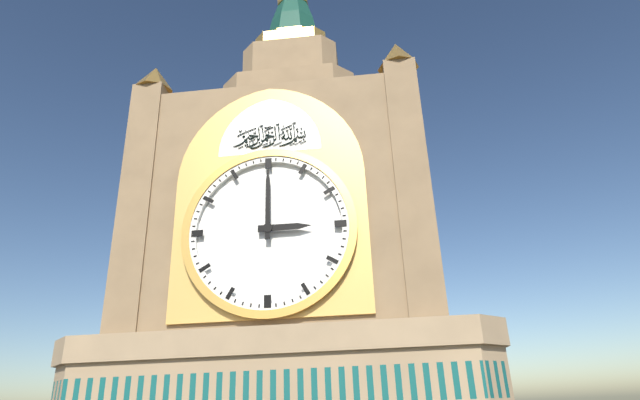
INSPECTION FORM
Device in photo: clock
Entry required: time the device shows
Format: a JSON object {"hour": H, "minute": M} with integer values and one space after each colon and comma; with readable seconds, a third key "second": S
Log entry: {"hour": 3, "minute": 0}
